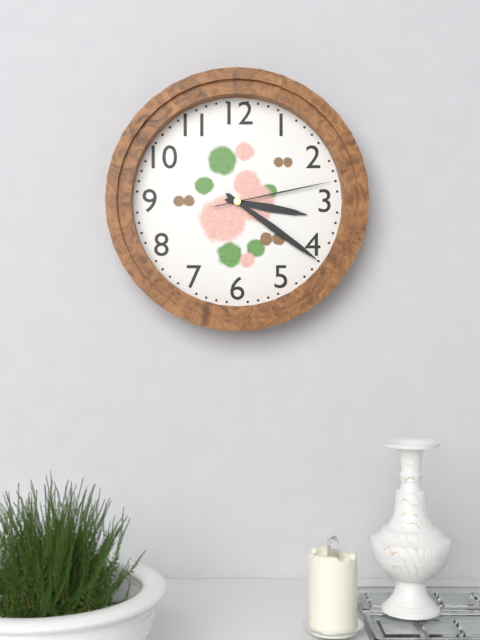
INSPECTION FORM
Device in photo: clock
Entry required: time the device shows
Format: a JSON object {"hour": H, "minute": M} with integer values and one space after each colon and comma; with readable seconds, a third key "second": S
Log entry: {"hour": 3, "minute": 21, "second": 13}
